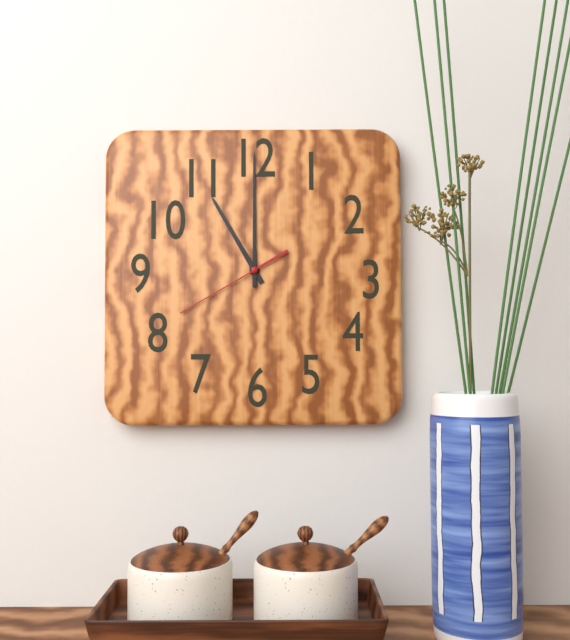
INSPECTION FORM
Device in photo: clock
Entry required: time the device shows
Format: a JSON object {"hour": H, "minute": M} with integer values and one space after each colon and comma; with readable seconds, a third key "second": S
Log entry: {"hour": 11, "minute": 0, "second": 40}
